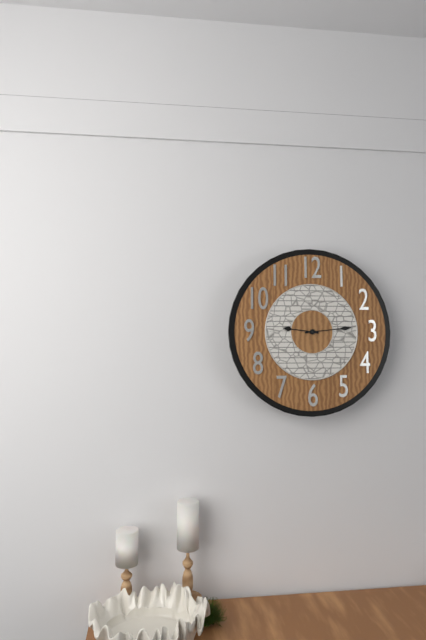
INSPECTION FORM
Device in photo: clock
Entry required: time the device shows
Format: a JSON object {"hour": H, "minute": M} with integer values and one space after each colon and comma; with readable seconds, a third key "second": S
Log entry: {"hour": 9, "minute": 14}
